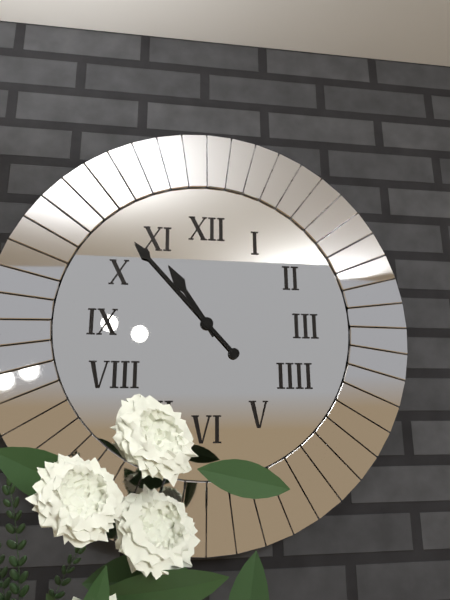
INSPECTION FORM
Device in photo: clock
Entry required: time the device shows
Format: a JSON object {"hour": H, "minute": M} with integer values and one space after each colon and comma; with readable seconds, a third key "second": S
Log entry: {"hour": 10, "minute": 53}
